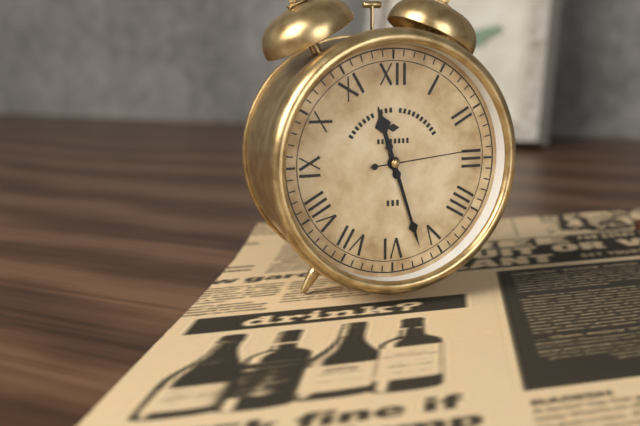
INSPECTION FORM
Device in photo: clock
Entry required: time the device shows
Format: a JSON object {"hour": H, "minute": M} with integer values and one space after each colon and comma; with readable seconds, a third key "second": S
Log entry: {"hour": 11, "minute": 27, "second": 14}
